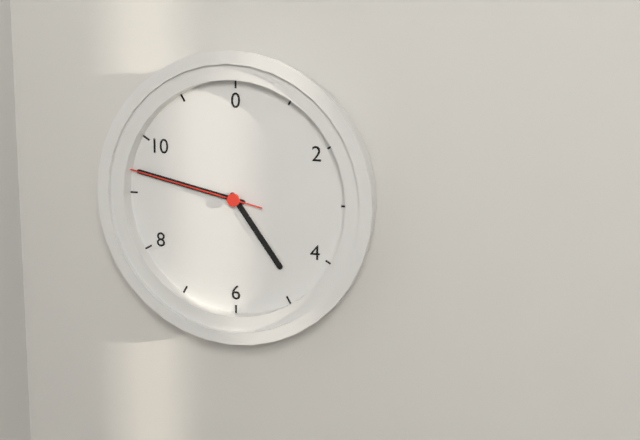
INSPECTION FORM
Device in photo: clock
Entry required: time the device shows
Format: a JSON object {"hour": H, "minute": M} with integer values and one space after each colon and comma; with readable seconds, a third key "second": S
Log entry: {"hour": 4, "minute": 47, "second": 47}
